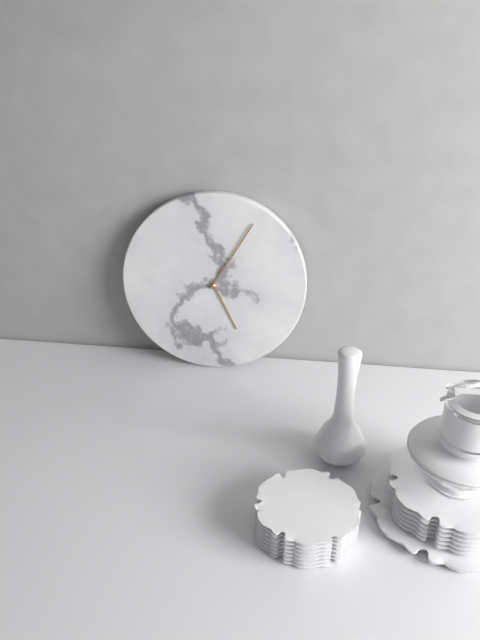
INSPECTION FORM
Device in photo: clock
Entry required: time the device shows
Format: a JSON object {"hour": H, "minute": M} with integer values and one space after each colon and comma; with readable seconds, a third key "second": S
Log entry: {"hour": 5, "minute": 5}
